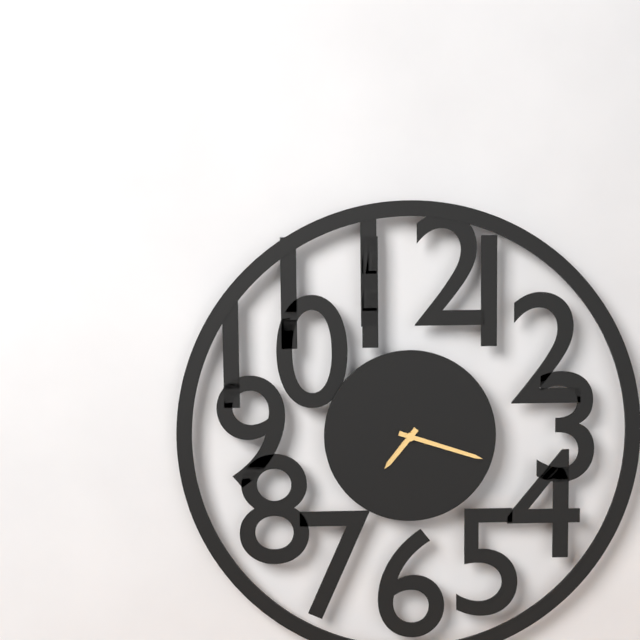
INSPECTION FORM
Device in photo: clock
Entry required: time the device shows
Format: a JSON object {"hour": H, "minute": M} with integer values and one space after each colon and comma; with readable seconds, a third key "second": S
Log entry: {"hour": 7, "minute": 18}
